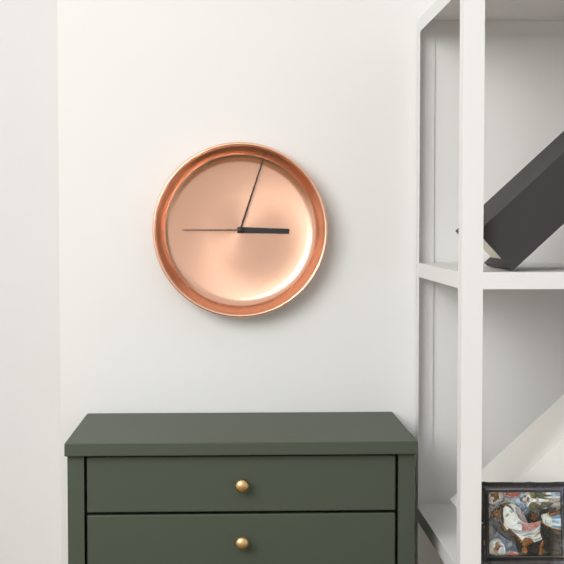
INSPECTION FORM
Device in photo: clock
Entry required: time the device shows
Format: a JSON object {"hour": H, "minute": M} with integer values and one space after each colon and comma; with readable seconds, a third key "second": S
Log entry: {"hour": 3, "minute": 3, "second": 45}
